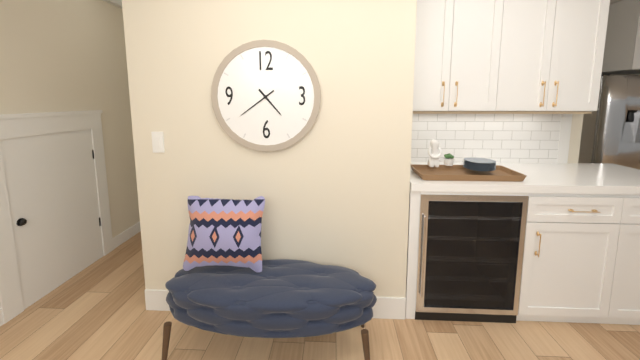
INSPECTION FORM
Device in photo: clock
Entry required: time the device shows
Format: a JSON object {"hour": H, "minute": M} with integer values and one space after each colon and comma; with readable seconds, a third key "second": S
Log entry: {"hour": 4, "minute": 39}
